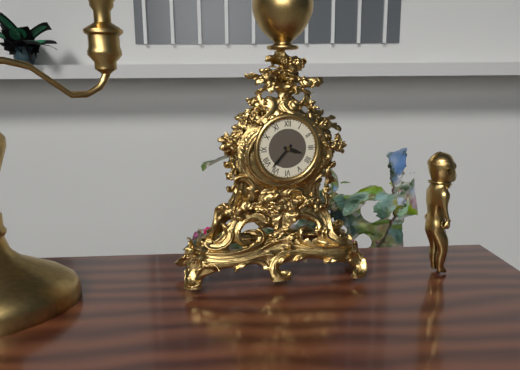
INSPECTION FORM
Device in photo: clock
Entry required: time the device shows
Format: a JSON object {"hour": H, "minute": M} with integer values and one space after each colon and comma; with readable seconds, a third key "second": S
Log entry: {"hour": 3, "minute": 37}
